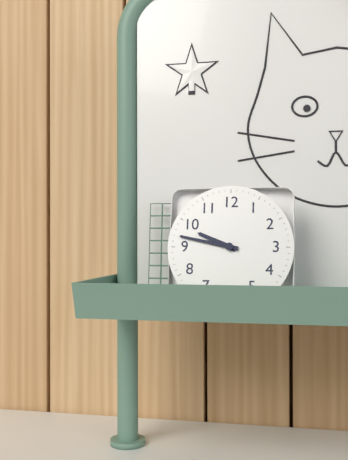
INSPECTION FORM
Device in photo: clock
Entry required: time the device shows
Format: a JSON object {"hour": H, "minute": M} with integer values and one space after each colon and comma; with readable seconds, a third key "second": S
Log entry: {"hour": 9, "minute": 47}
